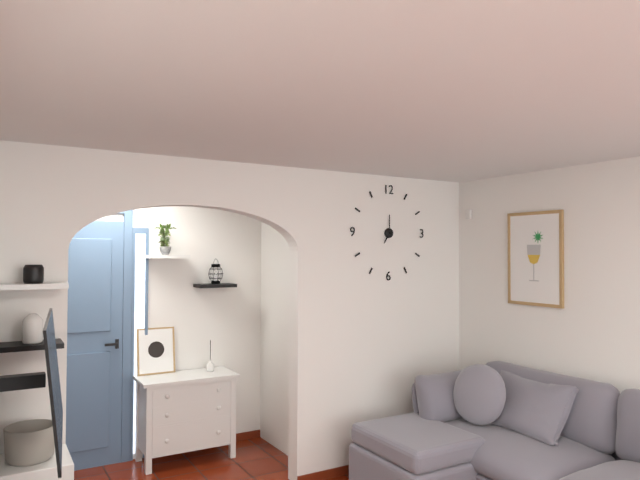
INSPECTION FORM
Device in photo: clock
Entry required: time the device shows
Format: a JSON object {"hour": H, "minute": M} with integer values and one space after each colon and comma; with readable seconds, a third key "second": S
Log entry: {"hour": 7, "minute": 0}
